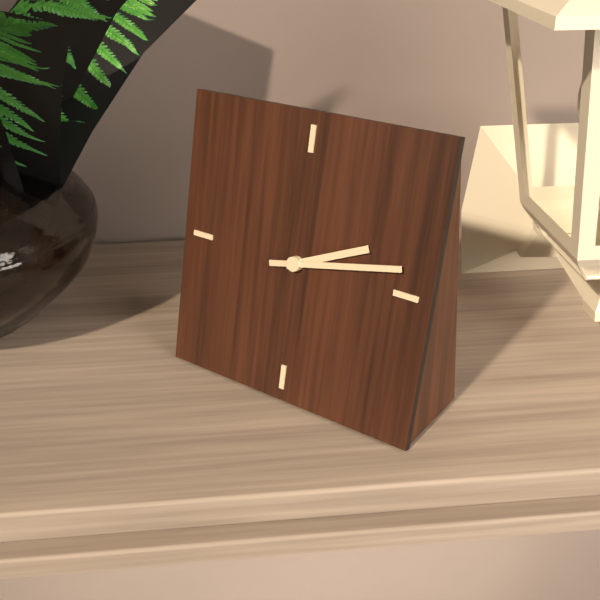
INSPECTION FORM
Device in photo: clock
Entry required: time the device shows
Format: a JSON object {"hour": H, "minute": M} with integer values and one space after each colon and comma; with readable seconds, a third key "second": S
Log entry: {"hour": 2, "minute": 13}
